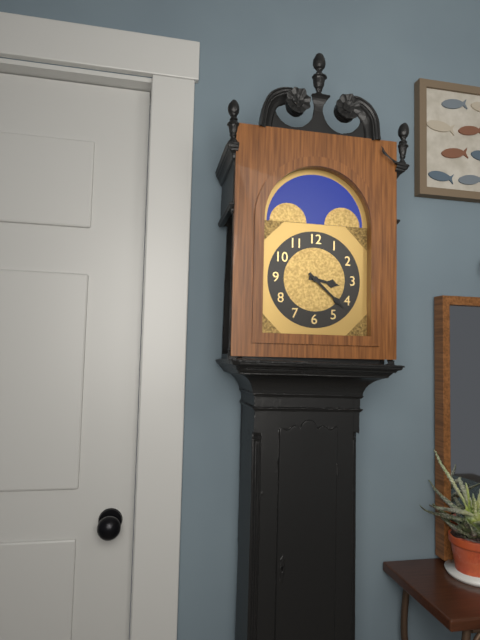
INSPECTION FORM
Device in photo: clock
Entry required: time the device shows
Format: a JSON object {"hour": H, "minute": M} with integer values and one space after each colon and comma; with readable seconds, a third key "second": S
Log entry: {"hour": 3, "minute": 22}
